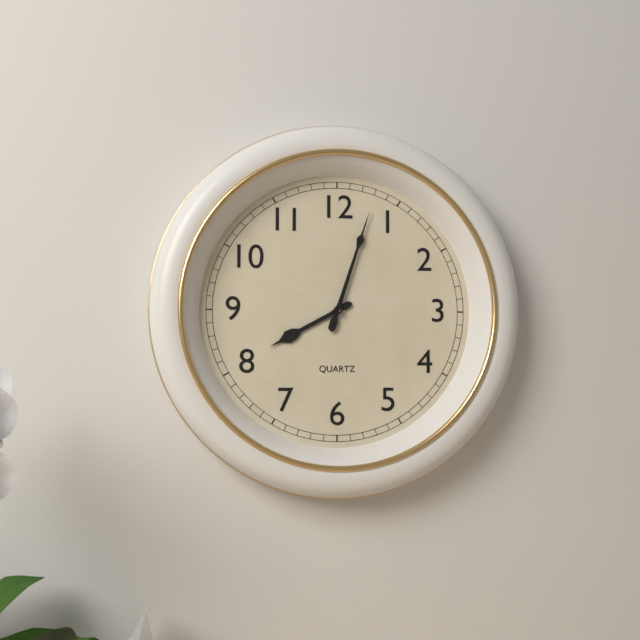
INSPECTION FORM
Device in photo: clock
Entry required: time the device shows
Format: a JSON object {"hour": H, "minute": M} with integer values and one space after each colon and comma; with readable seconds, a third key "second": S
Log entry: {"hour": 8, "minute": 3}
